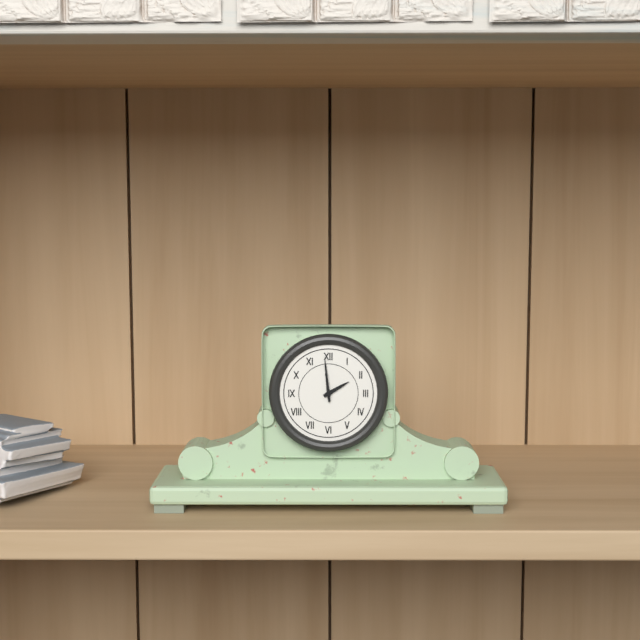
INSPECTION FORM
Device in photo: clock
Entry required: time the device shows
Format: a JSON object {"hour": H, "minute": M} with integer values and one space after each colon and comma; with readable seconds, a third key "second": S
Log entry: {"hour": 1, "minute": 59}
